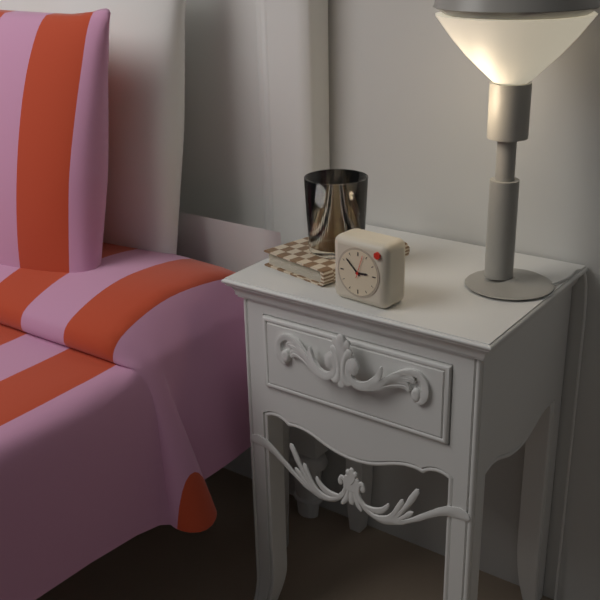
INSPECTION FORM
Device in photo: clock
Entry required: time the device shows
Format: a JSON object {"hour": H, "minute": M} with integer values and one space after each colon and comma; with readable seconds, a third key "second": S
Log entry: {"hour": 2, "minute": 52}
